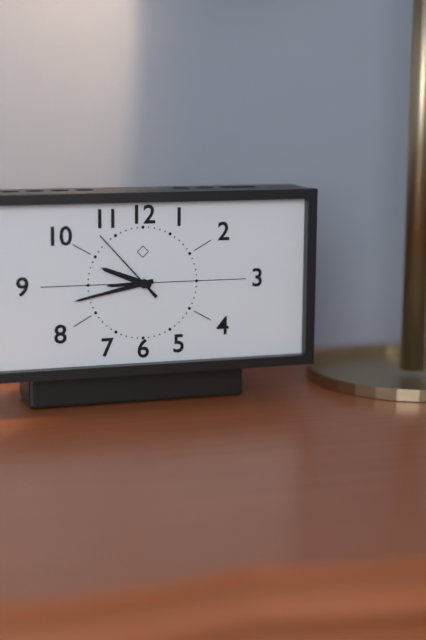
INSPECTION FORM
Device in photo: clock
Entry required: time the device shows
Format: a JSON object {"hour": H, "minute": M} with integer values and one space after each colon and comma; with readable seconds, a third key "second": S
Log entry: {"hour": 9, "minute": 43, "second": 53}
